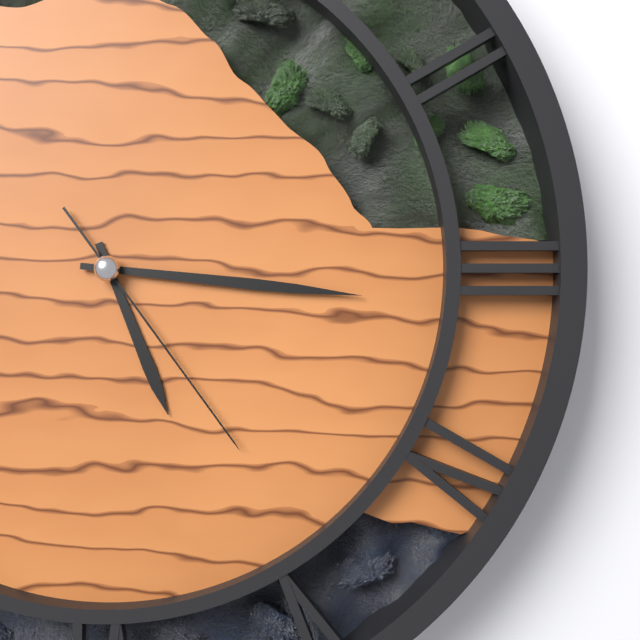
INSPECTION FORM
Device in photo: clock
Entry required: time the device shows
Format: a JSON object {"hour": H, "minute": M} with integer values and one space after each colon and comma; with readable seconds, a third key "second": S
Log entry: {"hour": 5, "minute": 16, "second": 24}
